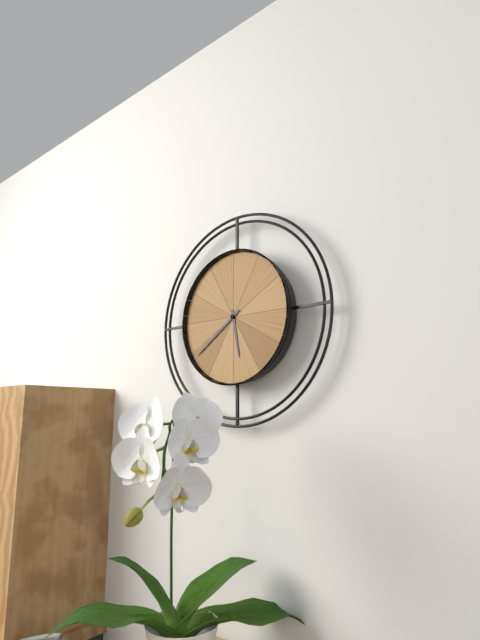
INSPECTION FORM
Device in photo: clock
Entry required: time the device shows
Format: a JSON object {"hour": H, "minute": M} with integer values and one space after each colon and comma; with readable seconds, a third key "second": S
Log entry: {"hour": 5, "minute": 39}
